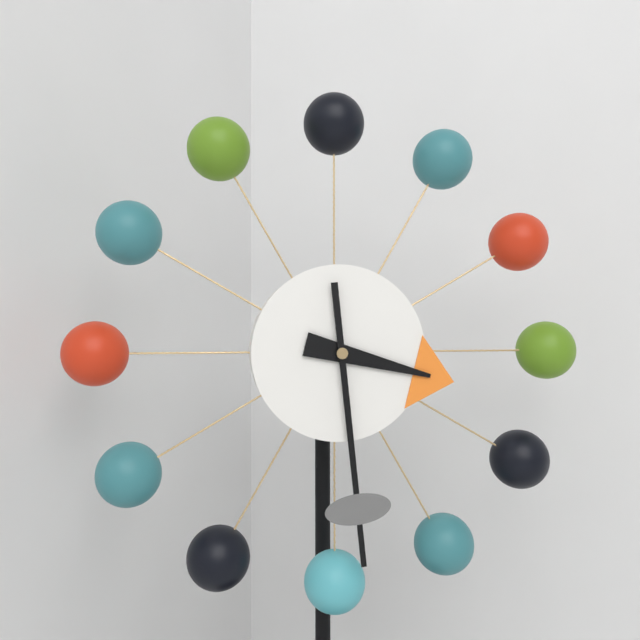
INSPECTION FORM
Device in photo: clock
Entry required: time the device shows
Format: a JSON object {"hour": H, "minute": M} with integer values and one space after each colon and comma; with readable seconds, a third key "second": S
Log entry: {"hour": 3, "minute": 29}
